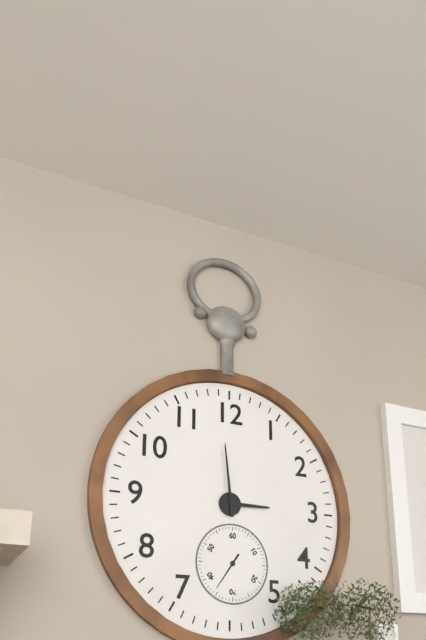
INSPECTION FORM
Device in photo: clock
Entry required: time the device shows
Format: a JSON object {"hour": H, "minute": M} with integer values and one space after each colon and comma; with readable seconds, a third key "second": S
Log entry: {"hour": 2, "minute": 59}
